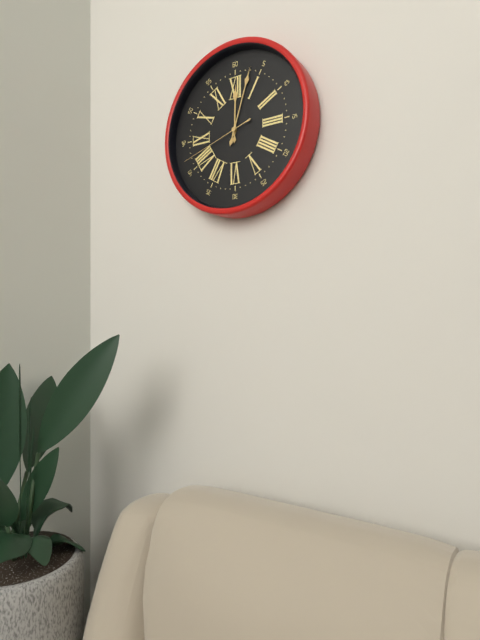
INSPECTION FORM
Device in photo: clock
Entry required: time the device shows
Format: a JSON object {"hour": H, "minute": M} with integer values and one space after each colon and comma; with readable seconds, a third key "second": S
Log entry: {"hour": 12, "minute": 3, "second": 42}
